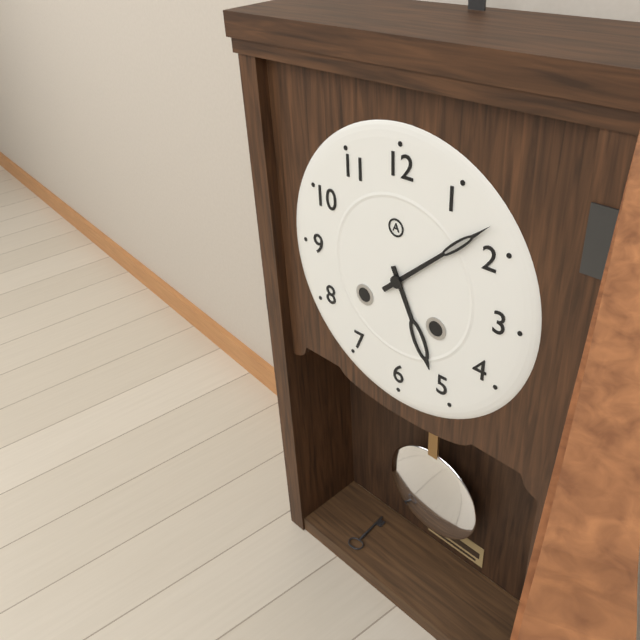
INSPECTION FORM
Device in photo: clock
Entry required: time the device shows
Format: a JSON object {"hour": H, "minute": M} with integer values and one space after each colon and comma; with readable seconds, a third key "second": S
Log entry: {"hour": 5, "minute": 8}
